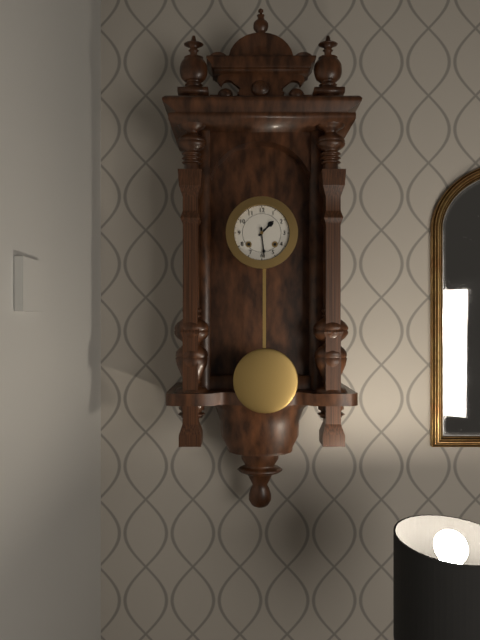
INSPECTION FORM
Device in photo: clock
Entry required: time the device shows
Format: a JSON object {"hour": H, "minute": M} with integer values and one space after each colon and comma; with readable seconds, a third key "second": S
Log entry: {"hour": 1, "minute": 29}
